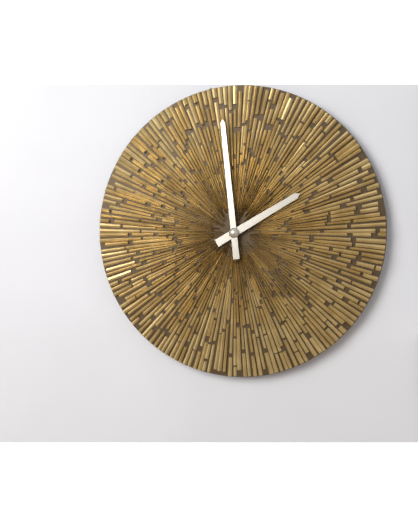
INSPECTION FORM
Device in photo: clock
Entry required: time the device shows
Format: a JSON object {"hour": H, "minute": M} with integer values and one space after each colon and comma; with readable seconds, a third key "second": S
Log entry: {"hour": 1, "minute": 59}
